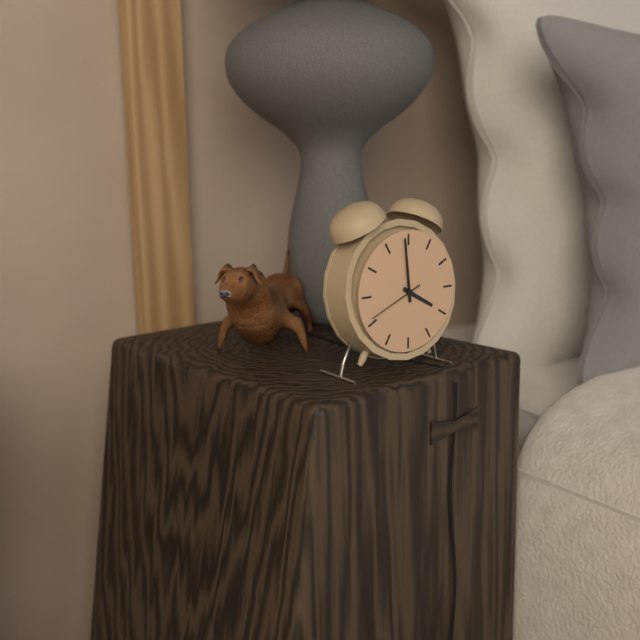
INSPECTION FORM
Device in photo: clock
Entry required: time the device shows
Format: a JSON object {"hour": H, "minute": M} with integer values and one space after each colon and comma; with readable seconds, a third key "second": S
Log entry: {"hour": 3, "minute": 59, "second": 41}
